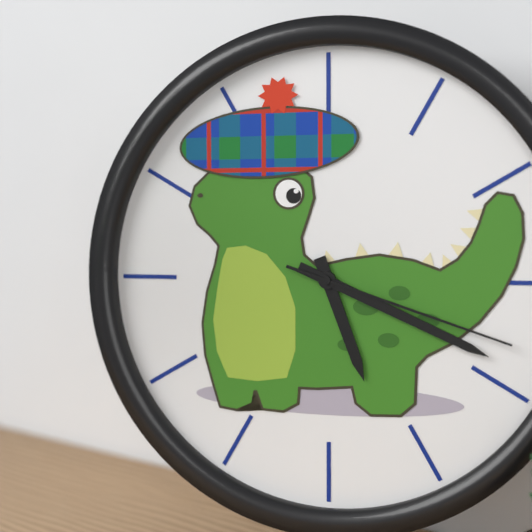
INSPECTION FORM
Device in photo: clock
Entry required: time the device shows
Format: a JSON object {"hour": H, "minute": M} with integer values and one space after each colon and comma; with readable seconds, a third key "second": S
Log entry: {"hour": 5, "minute": 19, "second": 18}
